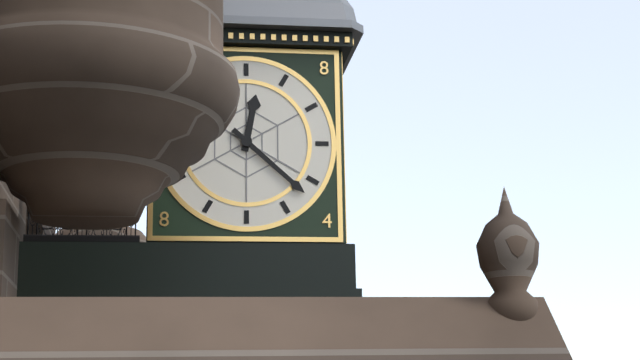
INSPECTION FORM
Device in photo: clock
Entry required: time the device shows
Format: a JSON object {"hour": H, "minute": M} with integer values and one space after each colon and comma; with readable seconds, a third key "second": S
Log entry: {"hour": 12, "minute": 22}
